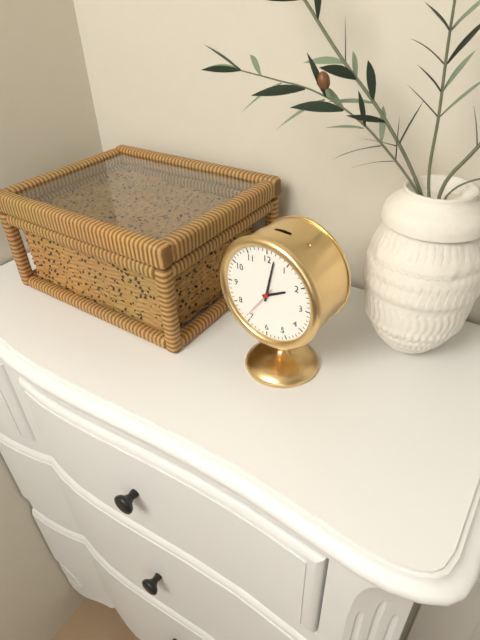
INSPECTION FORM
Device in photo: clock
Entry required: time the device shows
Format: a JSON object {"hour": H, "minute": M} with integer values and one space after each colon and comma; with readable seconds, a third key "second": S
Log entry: {"hour": 2, "minute": 2}
